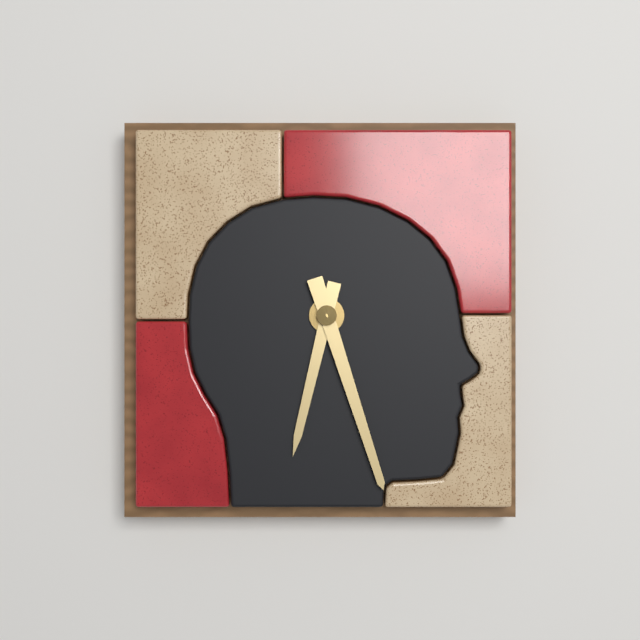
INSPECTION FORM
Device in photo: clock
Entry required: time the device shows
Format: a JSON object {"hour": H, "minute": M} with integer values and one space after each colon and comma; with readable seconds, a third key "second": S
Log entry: {"hour": 6, "minute": 27}
